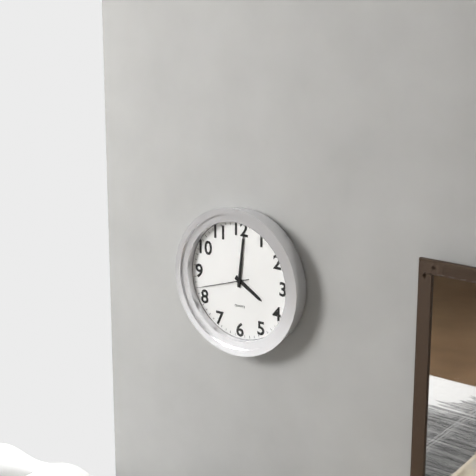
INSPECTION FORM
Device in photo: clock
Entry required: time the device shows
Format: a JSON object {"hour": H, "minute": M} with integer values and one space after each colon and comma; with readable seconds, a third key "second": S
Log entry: {"hour": 4, "minute": 1, "second": 42}
